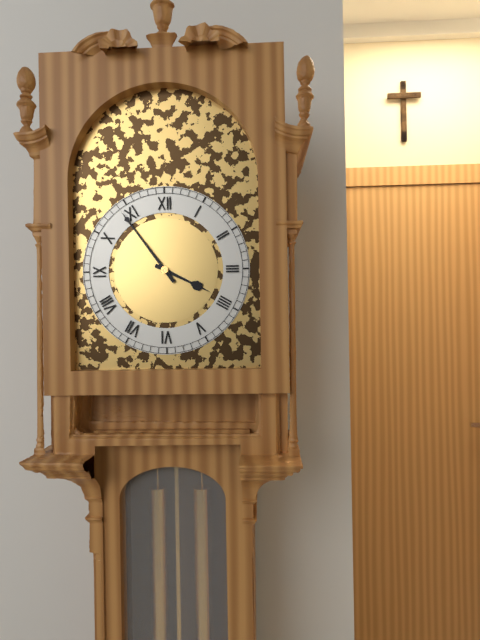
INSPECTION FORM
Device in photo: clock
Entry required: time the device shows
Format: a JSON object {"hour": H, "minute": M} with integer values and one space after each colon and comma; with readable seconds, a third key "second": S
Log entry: {"hour": 3, "minute": 54}
